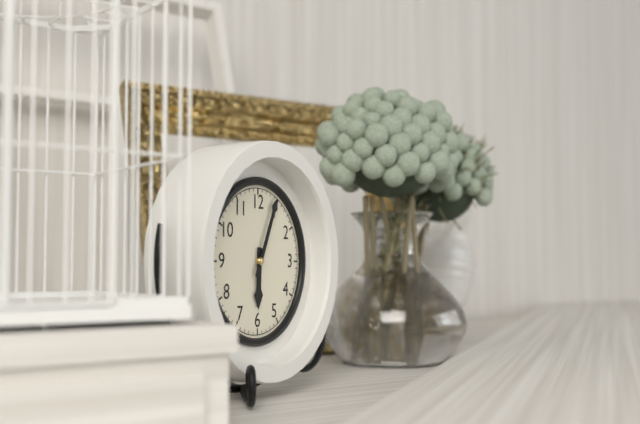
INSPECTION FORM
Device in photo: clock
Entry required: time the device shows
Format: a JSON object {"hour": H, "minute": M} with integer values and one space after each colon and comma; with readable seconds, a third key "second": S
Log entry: {"hour": 6, "minute": 4}
